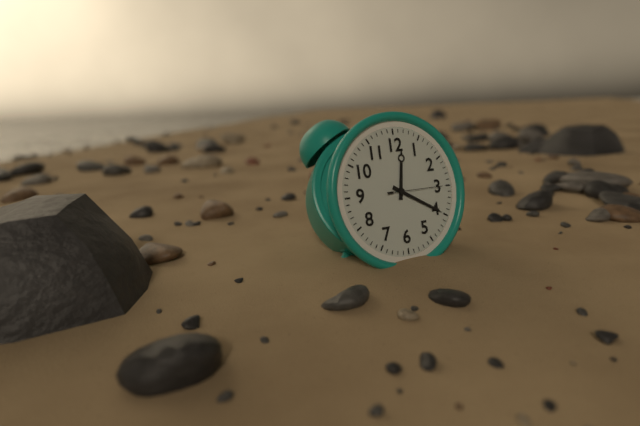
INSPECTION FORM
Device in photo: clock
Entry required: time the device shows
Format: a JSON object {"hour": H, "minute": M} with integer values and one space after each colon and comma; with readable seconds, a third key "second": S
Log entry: {"hour": 12, "minute": 20, "second": 15}
